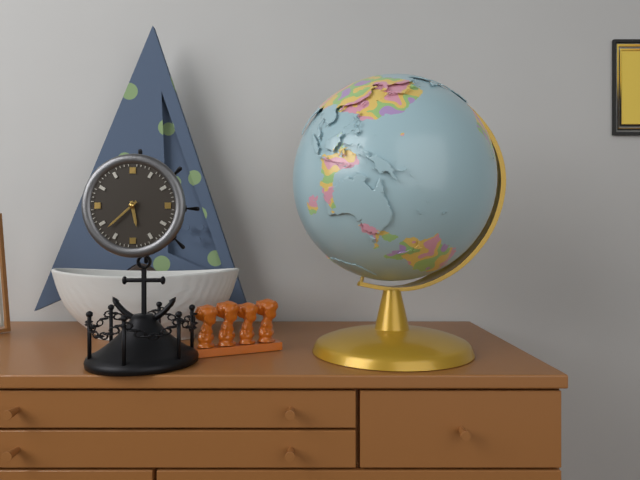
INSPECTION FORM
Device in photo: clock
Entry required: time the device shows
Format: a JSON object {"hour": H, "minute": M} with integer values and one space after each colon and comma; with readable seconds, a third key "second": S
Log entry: {"hour": 5, "minute": 38}
